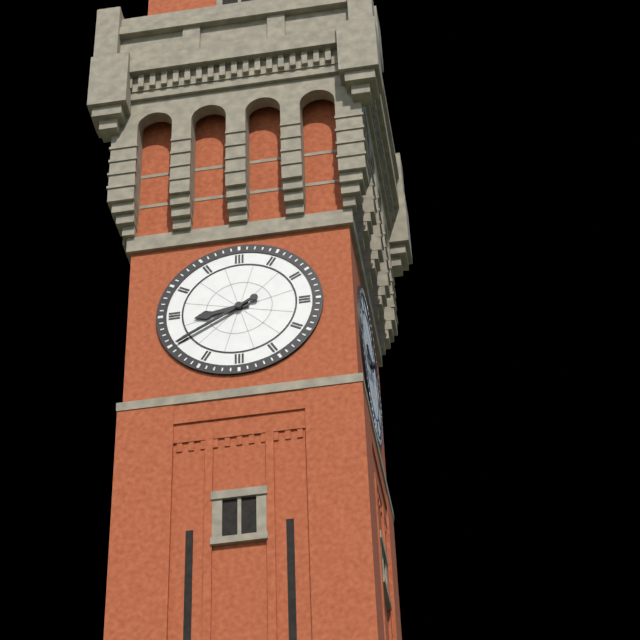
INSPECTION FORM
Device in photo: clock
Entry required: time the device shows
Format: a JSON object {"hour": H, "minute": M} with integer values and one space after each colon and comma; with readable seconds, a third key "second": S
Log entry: {"hour": 8, "minute": 40}
